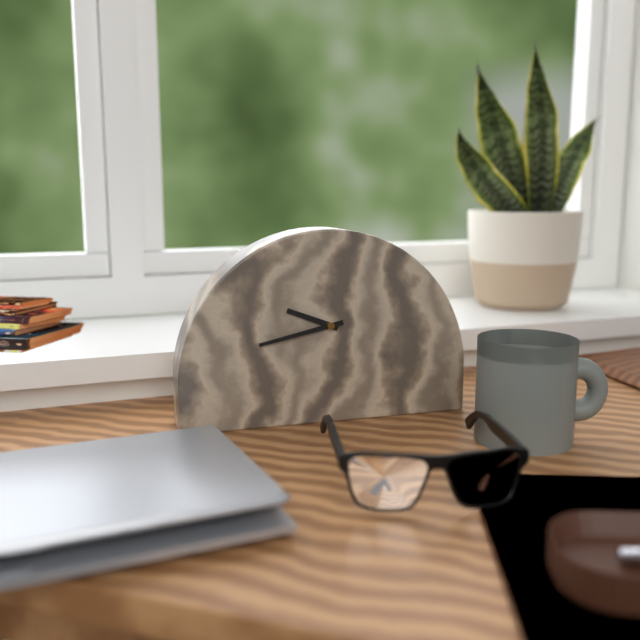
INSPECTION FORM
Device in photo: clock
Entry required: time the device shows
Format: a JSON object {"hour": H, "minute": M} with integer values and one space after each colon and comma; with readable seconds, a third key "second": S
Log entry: {"hour": 9, "minute": 43}
